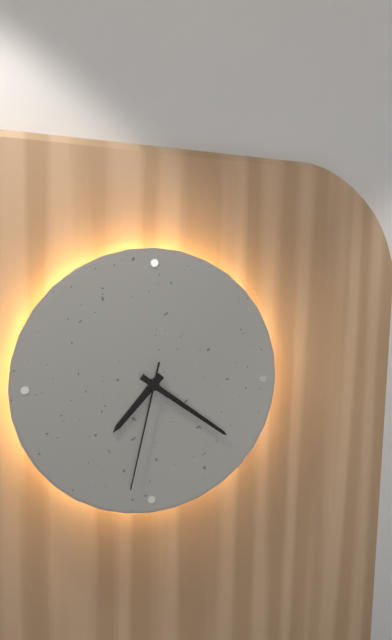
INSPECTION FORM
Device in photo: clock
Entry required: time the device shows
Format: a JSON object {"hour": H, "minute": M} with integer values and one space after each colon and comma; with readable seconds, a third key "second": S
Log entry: {"hour": 7, "minute": 21, "second": 32}
